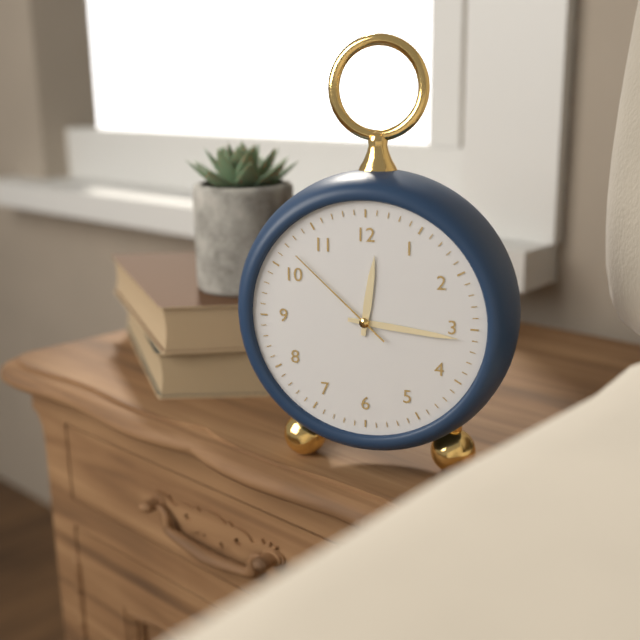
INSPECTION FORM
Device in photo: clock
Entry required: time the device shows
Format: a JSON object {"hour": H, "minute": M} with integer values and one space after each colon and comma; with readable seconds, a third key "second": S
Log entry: {"hour": 12, "minute": 16, "second": 52}
